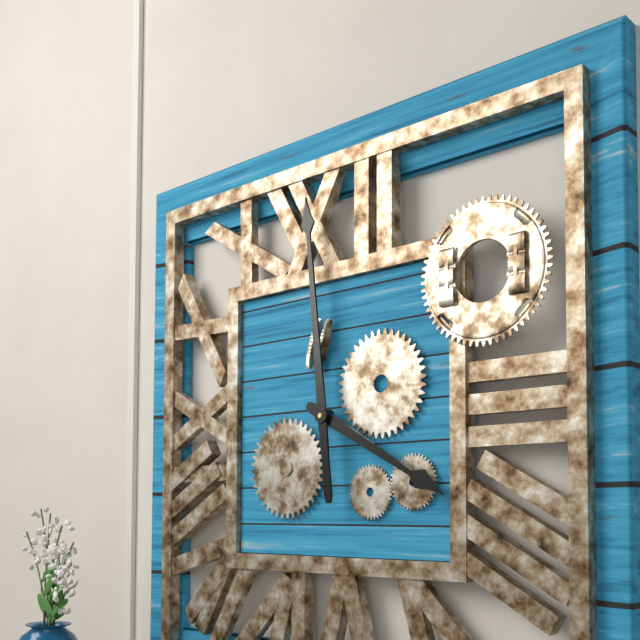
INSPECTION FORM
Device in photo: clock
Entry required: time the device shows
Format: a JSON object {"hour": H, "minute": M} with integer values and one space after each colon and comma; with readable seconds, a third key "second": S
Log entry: {"hour": 3, "minute": 59}
